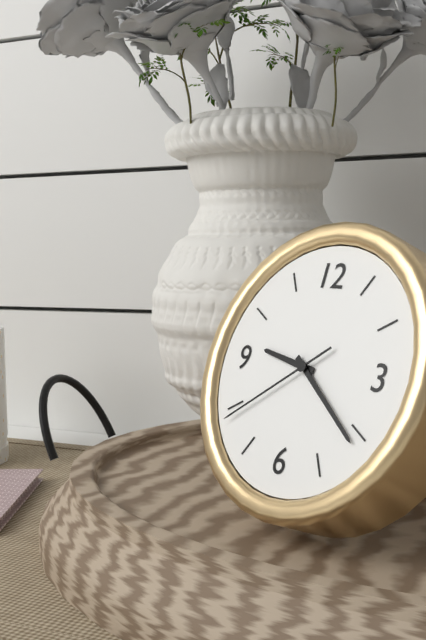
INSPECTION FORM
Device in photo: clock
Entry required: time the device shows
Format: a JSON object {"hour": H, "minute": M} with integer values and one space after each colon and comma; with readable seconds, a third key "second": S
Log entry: {"hour": 9, "minute": 21, "second": 39}
